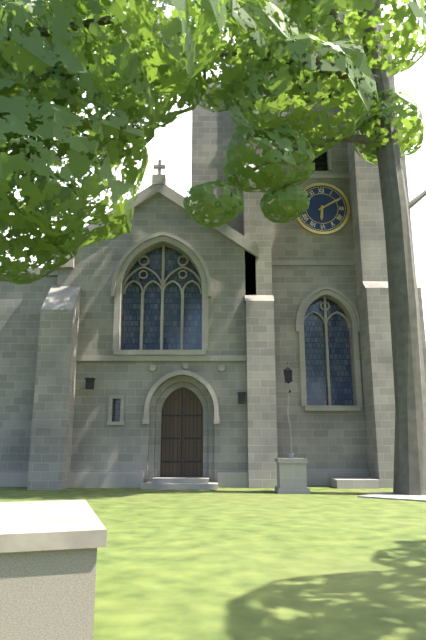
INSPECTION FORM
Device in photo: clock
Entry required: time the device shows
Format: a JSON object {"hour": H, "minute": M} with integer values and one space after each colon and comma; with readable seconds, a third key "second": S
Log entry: {"hour": 6, "minute": 10}
